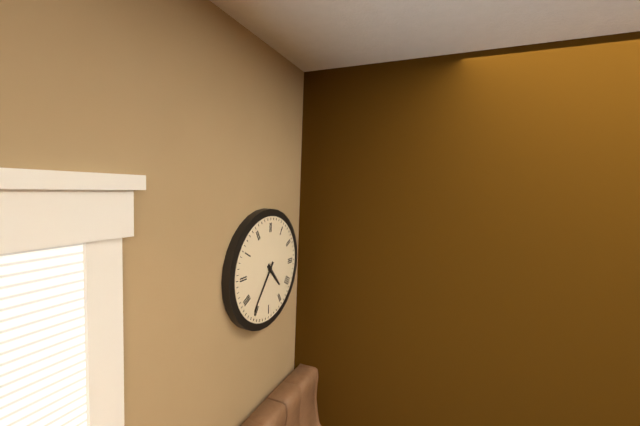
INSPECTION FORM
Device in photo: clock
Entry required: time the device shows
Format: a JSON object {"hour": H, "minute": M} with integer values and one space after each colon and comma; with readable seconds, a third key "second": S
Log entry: {"hour": 4, "minute": 36}
